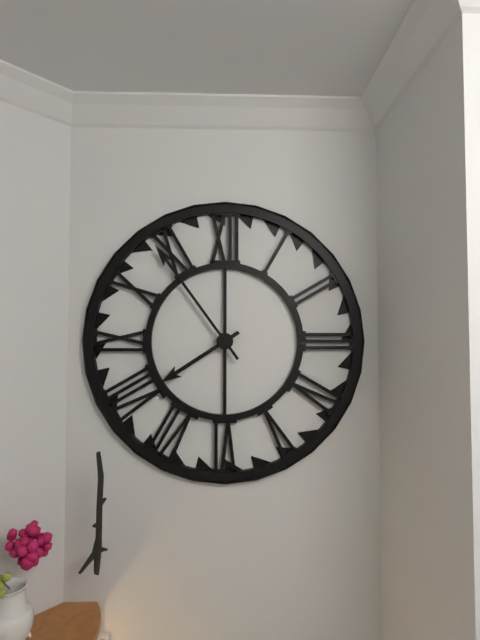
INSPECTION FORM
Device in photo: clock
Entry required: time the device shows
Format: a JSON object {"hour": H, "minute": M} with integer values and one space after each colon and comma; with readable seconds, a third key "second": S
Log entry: {"hour": 7, "minute": 54}
